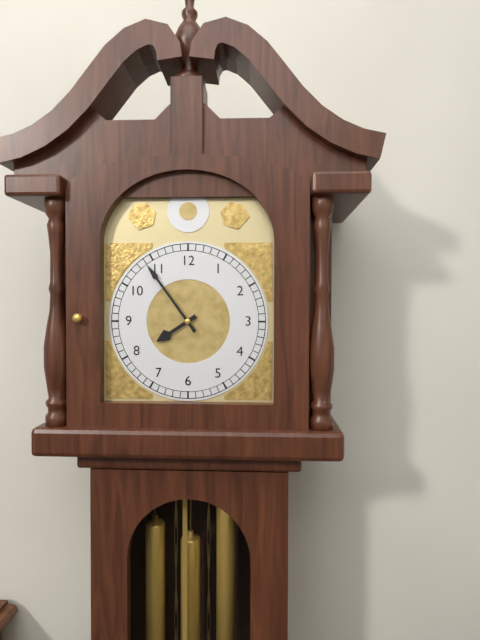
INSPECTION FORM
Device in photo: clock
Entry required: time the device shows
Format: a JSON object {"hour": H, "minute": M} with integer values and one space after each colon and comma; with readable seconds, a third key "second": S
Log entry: {"hour": 7, "minute": 54}
